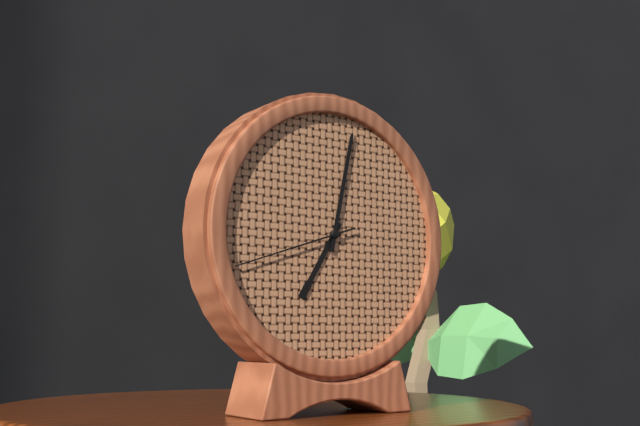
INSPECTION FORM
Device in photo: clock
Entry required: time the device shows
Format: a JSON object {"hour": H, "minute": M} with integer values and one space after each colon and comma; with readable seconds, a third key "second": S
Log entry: {"hour": 7, "minute": 2, "second": 42}
